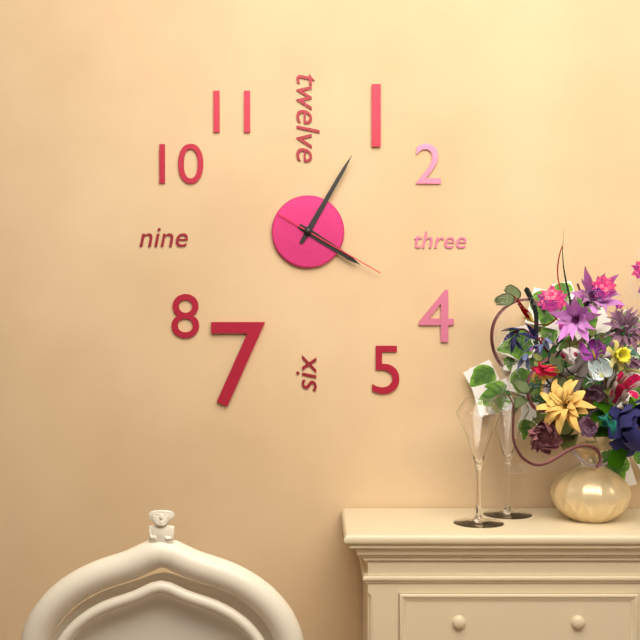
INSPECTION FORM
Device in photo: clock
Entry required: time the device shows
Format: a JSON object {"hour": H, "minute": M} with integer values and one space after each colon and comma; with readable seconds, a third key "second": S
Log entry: {"hour": 4, "minute": 5, "second": 20}
